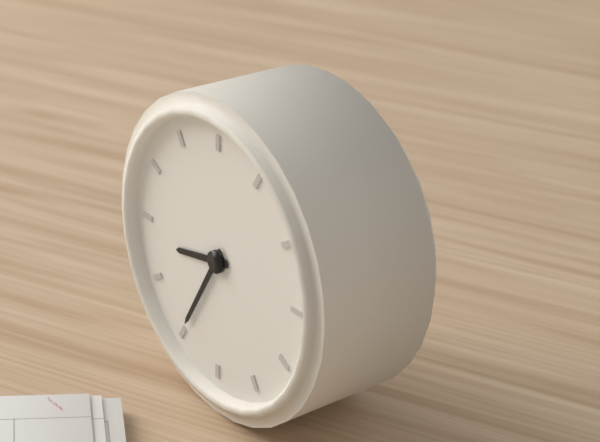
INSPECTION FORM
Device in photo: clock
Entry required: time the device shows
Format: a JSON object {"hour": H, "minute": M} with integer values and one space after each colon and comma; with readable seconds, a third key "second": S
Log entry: {"hour": 8, "minute": 35}
